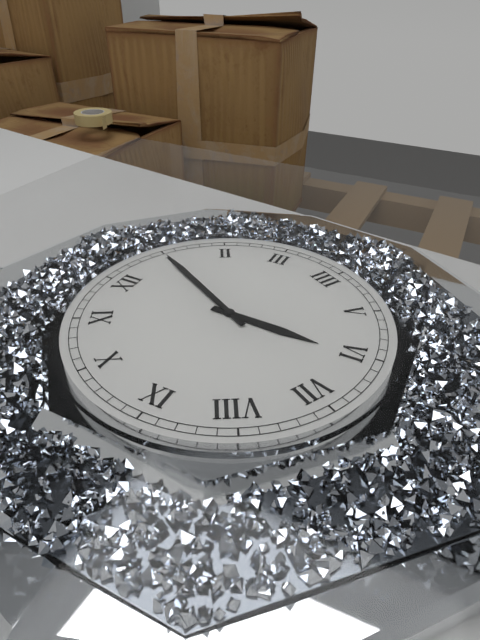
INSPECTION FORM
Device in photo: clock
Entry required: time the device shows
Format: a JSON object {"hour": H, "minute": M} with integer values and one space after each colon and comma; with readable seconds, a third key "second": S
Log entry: {"hour": 6, "minute": 5}
